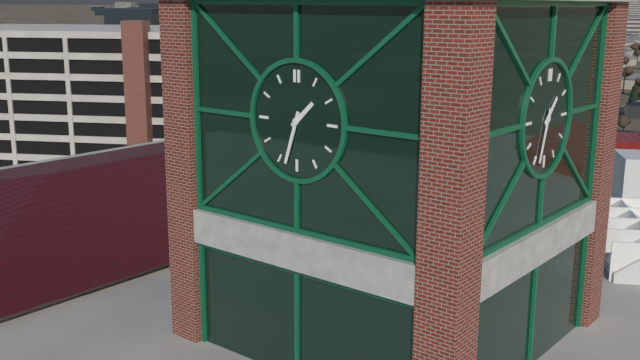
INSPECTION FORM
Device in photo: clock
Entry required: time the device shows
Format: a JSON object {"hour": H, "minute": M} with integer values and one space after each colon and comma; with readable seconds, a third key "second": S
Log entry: {"hour": 1, "minute": 33}
